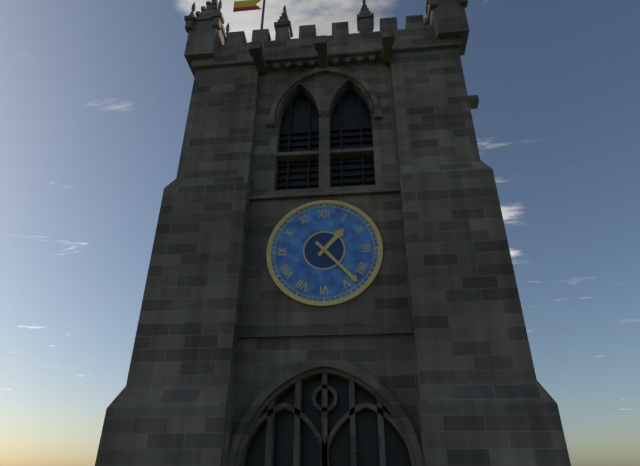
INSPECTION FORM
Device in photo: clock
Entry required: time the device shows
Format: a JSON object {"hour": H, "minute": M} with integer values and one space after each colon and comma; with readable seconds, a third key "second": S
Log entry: {"hour": 1, "minute": 23}
